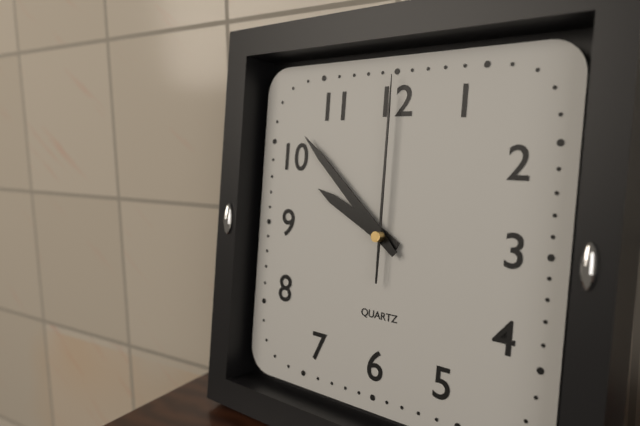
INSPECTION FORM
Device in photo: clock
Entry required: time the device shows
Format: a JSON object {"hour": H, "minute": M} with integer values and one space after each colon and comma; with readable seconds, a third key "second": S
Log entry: {"hour": 9, "minute": 52, "second": 0}
